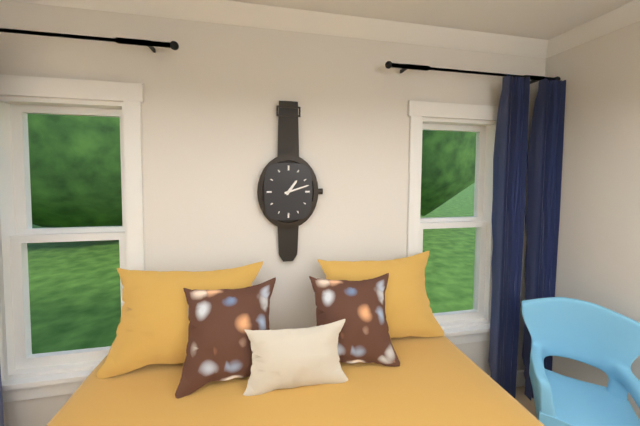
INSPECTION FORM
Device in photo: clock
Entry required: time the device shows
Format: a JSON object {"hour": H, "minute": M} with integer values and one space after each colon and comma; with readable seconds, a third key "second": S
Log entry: {"hour": 1, "minute": 12}
